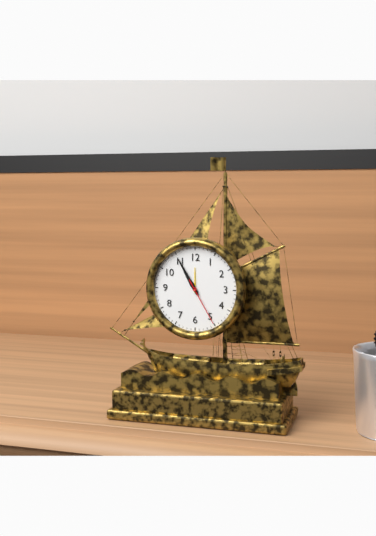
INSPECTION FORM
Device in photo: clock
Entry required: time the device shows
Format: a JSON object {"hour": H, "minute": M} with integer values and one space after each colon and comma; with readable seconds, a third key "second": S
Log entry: {"hour": 10, "minute": 55}
